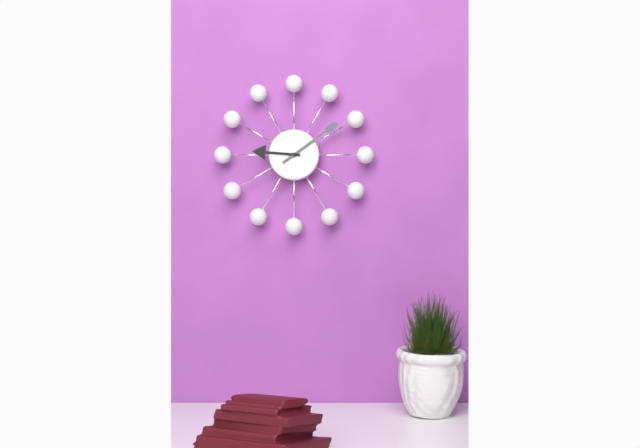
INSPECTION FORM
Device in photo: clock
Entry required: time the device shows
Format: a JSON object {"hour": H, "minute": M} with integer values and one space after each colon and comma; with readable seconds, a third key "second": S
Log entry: {"hour": 9, "minute": 9}
